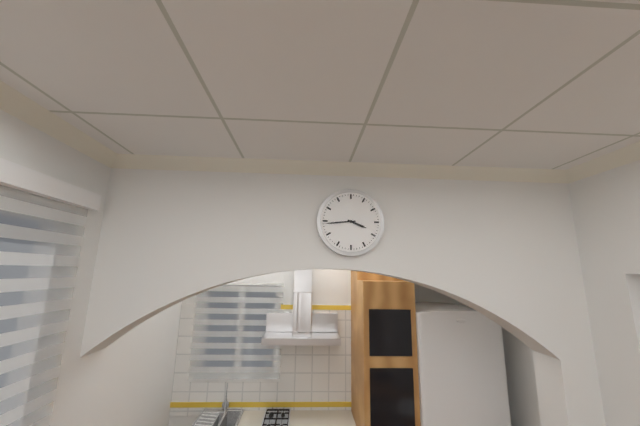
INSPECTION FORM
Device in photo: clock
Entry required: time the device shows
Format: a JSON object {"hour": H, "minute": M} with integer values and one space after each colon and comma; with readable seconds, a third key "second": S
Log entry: {"hour": 3, "minute": 44}
